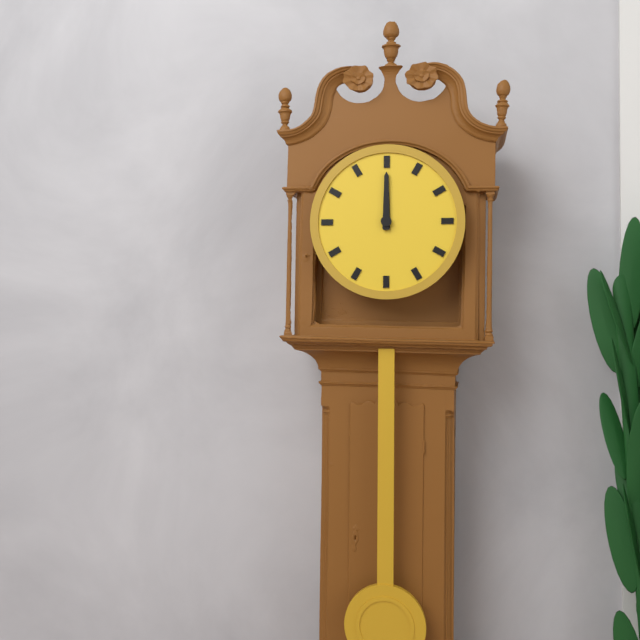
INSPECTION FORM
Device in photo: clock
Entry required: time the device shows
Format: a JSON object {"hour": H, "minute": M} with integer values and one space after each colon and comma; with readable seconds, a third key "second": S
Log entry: {"hour": 12, "minute": 0}
